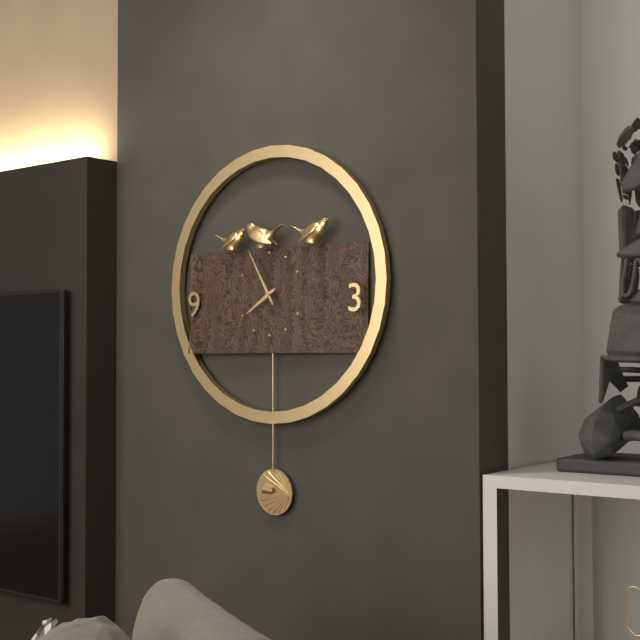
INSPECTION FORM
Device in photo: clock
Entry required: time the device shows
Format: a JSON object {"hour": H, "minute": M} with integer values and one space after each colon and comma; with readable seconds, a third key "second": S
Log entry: {"hour": 7, "minute": 55}
